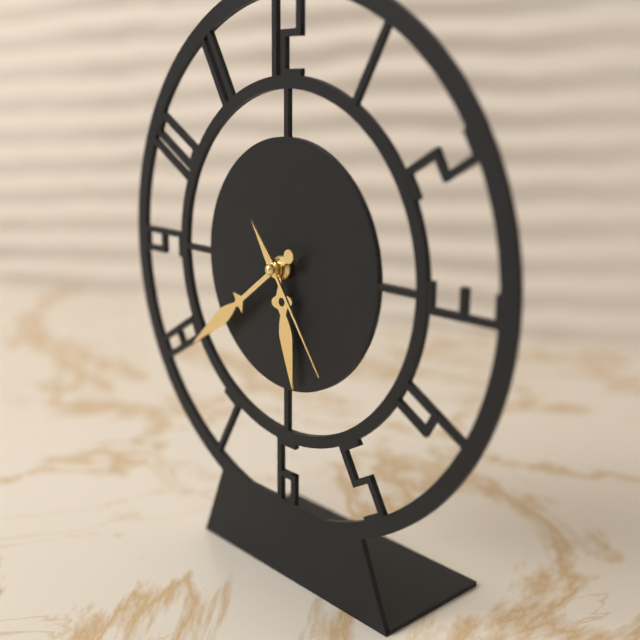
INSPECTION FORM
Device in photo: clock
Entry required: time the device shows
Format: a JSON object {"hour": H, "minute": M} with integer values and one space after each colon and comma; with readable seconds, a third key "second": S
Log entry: {"hour": 5, "minute": 39, "second": 24}
